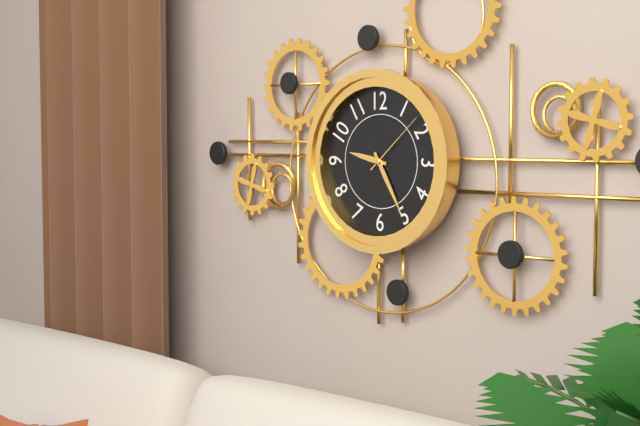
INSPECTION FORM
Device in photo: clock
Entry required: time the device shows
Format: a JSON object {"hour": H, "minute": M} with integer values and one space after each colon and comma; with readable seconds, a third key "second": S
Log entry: {"hour": 9, "minute": 25, "second": 8}
